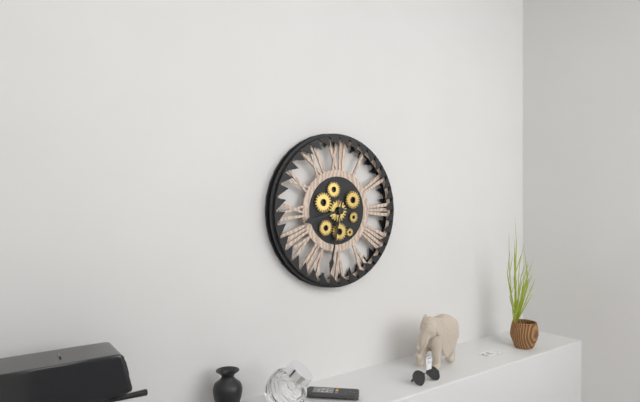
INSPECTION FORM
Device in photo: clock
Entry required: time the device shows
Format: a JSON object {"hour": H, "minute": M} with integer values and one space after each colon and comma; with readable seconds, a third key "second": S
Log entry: {"hour": 8, "minute": 32}
